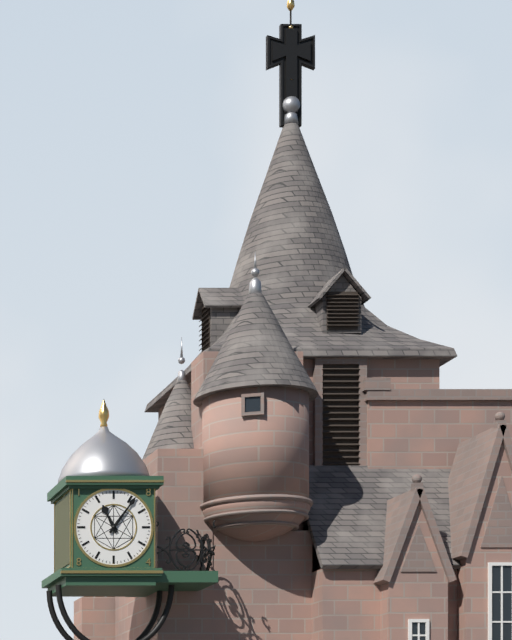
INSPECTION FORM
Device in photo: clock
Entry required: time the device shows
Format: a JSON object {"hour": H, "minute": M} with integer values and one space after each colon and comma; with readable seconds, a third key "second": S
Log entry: {"hour": 11, "minute": 6}
